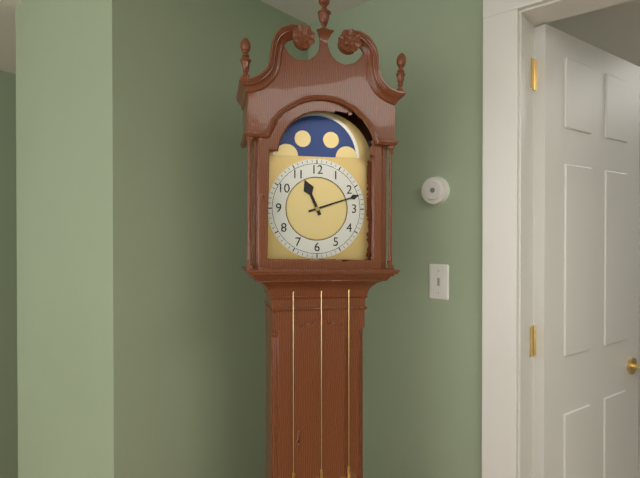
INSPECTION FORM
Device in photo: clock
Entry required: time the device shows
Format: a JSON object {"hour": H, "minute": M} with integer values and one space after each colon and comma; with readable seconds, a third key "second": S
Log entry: {"hour": 11, "minute": 12}
